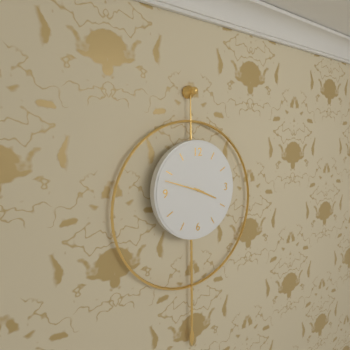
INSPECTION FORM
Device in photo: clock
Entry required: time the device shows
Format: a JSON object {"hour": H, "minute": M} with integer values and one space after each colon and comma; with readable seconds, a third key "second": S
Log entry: {"hour": 3, "minute": 48}
